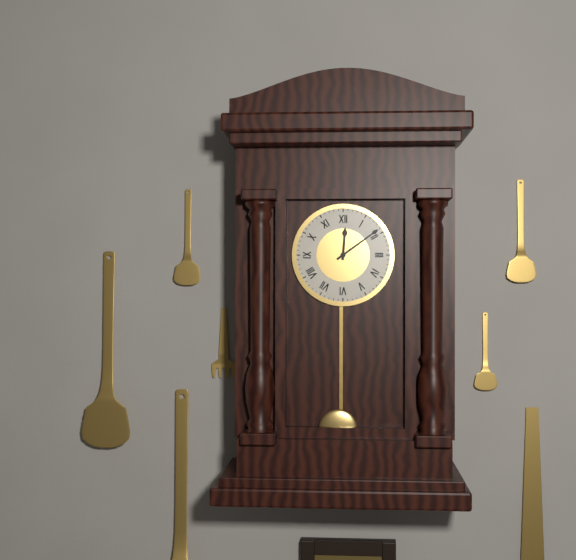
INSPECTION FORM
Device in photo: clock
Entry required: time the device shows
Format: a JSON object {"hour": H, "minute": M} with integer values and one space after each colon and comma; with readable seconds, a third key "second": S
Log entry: {"hour": 12, "minute": 9}
